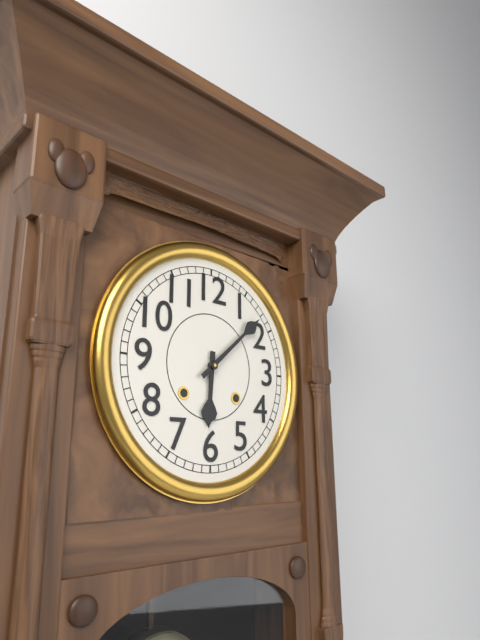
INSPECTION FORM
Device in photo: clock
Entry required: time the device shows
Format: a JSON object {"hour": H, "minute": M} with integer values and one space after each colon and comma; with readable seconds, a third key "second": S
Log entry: {"hour": 6, "minute": 8}
